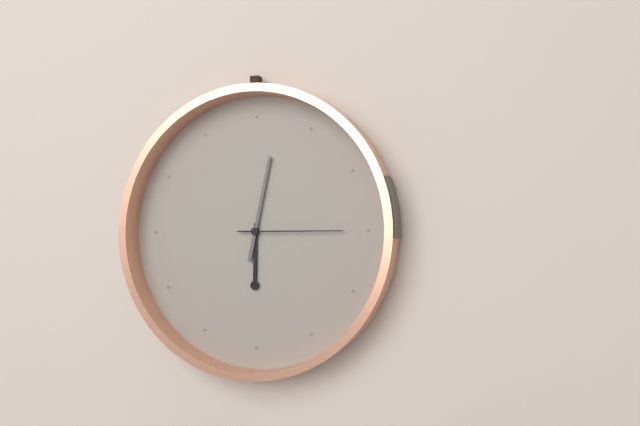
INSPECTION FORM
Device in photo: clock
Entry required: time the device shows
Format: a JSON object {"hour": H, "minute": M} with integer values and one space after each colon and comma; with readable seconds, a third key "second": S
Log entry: {"hour": 6, "minute": 2, "second": 15}
